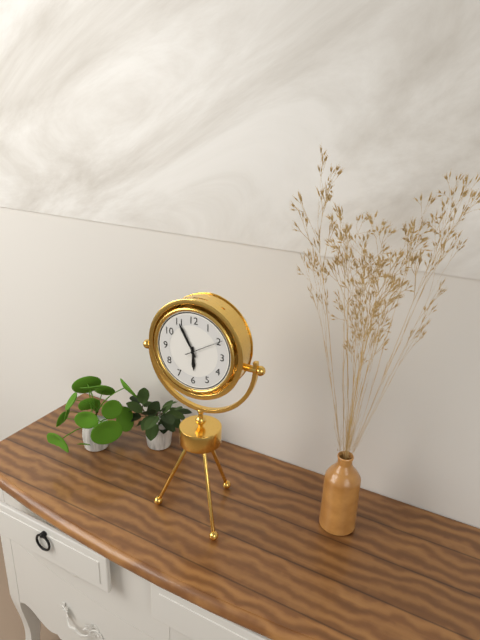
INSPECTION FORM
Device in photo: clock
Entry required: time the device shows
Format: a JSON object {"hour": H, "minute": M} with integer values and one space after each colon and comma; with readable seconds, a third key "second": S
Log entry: {"hour": 5, "minute": 55}
